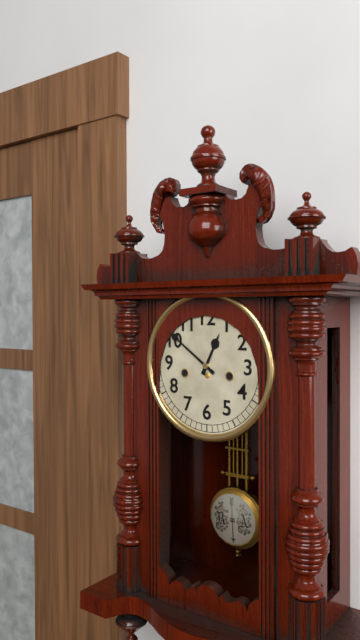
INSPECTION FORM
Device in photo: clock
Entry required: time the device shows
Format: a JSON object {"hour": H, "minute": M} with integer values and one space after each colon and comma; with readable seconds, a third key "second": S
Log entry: {"hour": 12, "minute": 51}
